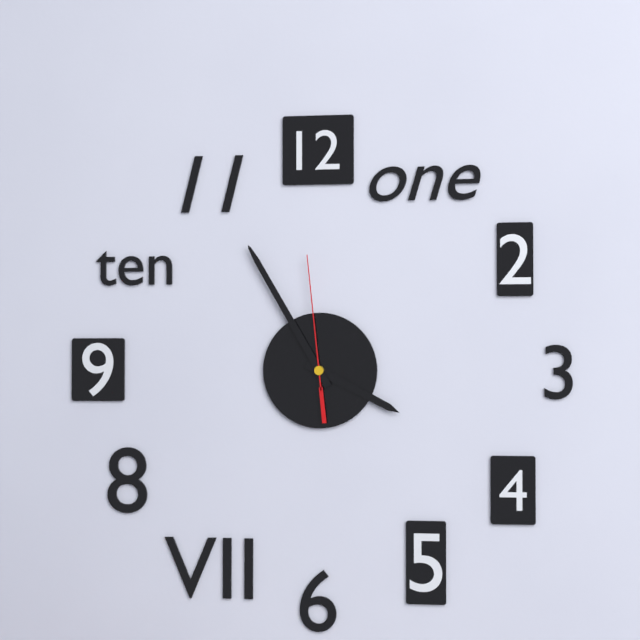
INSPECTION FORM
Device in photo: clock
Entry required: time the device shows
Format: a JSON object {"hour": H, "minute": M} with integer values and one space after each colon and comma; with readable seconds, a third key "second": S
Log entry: {"hour": 3, "minute": 55, "second": 59}
